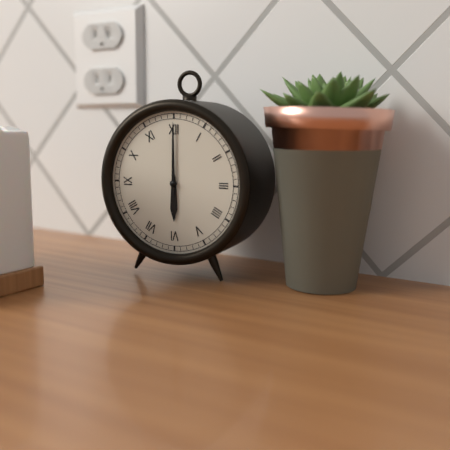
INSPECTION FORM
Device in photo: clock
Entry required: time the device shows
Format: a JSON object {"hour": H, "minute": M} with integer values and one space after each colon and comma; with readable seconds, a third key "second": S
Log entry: {"hour": 6, "minute": 0}
